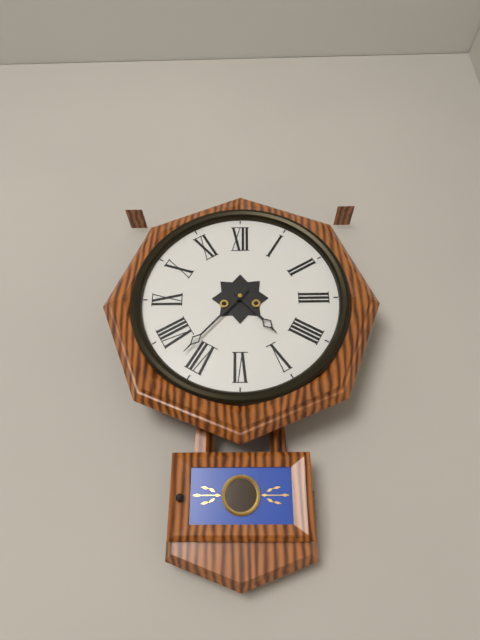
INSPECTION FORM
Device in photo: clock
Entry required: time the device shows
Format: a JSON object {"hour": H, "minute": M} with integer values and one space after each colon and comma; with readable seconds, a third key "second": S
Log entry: {"hour": 4, "minute": 37}
